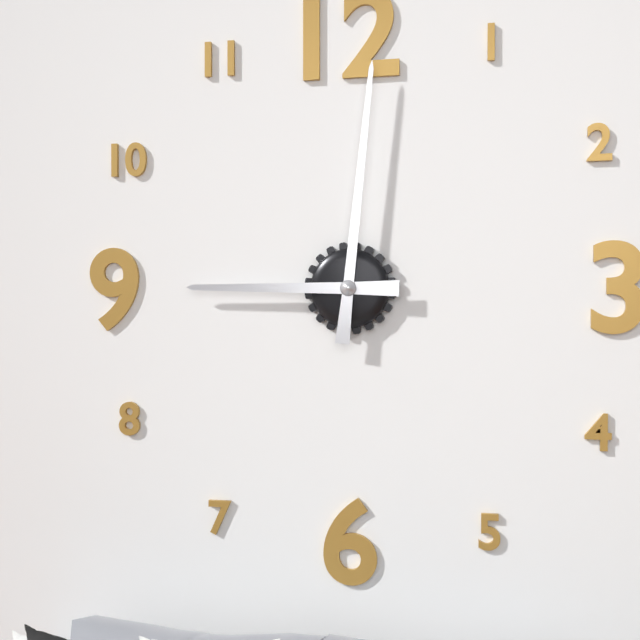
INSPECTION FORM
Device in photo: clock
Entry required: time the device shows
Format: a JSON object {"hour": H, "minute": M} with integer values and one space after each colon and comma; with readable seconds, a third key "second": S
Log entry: {"hour": 9, "minute": 1}
